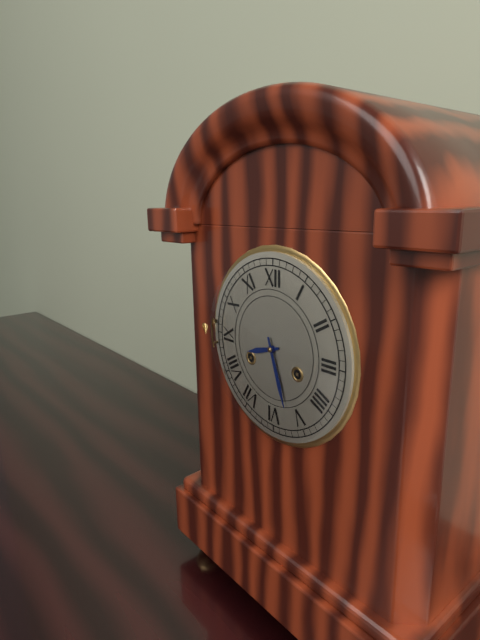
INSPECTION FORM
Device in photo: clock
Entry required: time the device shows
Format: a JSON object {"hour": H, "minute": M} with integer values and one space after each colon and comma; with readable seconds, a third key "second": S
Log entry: {"hour": 8, "minute": 27}
